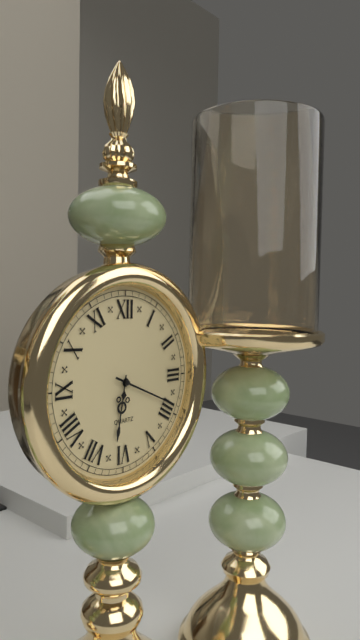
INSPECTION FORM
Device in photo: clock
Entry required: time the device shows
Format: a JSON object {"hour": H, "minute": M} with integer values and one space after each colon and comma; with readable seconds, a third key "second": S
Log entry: {"hour": 6, "minute": 19}
